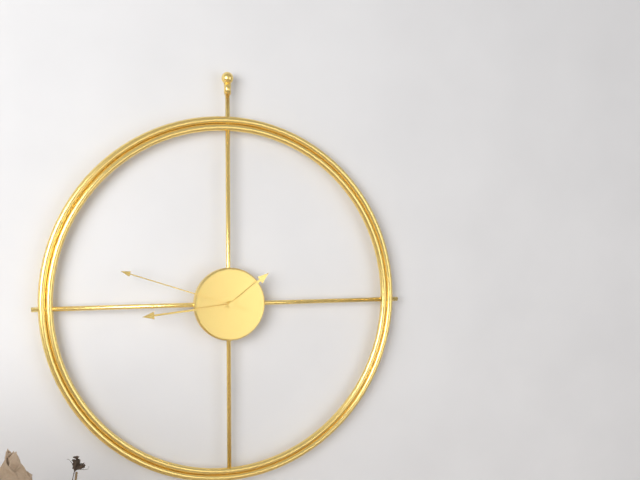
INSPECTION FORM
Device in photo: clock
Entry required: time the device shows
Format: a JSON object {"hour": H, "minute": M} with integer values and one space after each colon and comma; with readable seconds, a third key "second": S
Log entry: {"hour": 1, "minute": 44, "second": 48}
